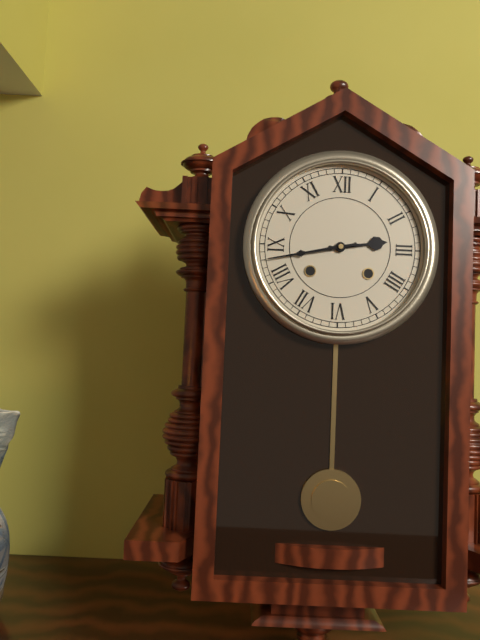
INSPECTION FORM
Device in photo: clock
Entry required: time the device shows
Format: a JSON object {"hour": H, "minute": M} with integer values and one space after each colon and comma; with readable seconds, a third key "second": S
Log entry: {"hour": 2, "minute": 43}
